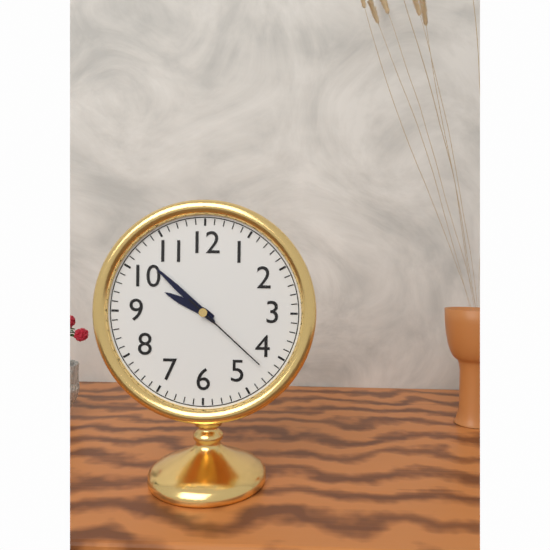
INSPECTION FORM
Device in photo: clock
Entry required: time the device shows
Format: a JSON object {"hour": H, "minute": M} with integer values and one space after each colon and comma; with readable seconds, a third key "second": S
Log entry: {"hour": 9, "minute": 52, "second": 22}
